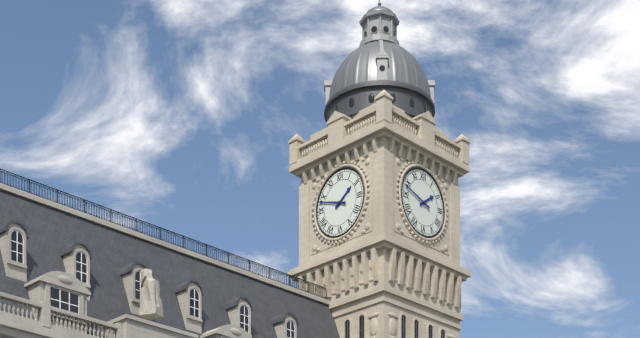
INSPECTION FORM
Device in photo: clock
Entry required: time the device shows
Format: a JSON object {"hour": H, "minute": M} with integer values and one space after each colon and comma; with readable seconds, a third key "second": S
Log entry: {"hour": 1, "minute": 48}
